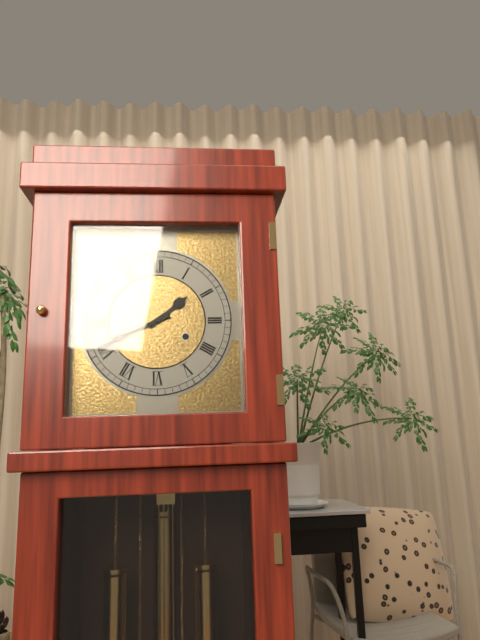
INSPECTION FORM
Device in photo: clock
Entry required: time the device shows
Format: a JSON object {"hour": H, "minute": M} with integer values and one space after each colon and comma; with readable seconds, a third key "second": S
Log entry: {"hour": 1, "minute": 41}
